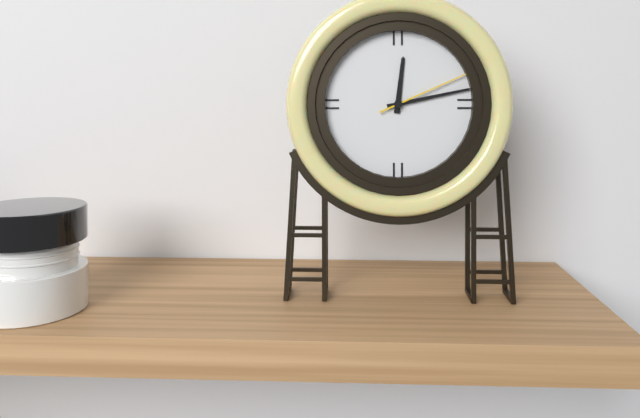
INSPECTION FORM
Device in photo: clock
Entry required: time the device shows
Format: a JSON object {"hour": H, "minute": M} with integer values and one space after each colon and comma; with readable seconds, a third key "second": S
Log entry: {"hour": 12, "minute": 13, "second": 11}
